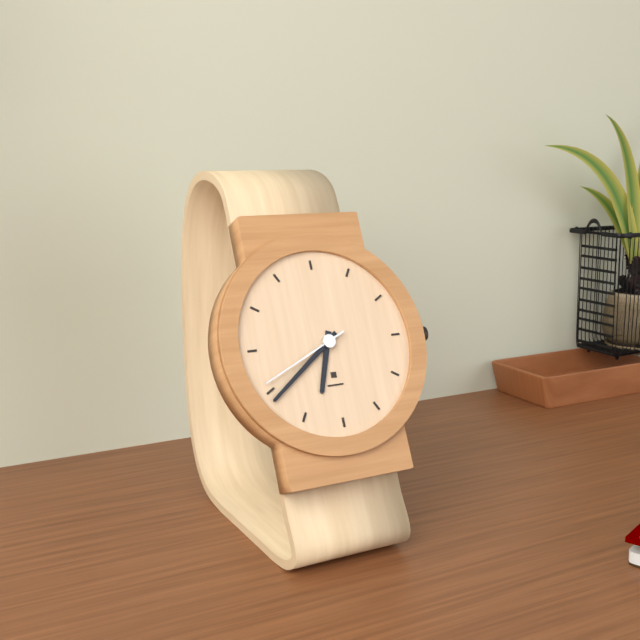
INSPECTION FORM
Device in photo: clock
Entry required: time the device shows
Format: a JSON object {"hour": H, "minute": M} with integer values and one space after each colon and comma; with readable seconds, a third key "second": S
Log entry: {"hour": 6, "minute": 39, "second": 41}
